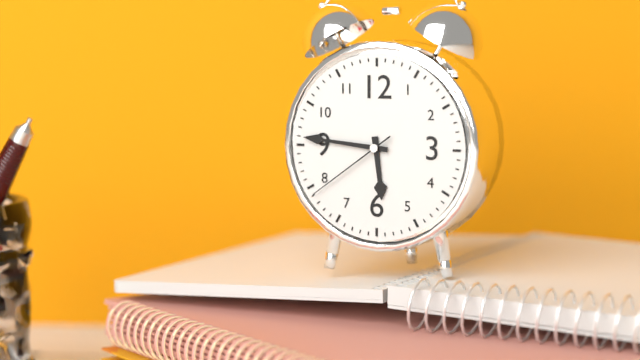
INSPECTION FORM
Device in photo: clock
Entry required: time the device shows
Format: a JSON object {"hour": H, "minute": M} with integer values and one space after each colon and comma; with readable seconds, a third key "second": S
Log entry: {"hour": 5, "minute": 46, "second": 39}
